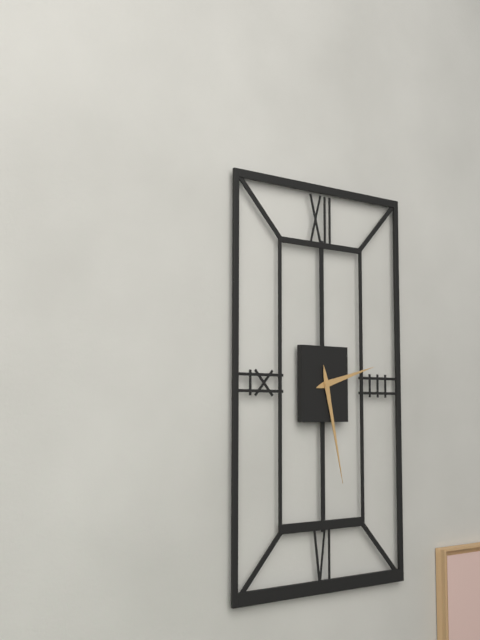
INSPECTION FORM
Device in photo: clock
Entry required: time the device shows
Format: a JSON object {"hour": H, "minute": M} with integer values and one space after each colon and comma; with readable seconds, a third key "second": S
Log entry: {"hour": 2, "minute": 28}
